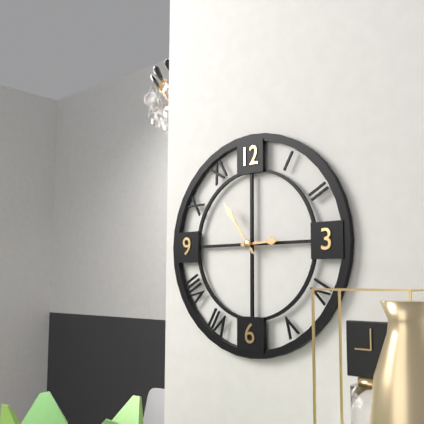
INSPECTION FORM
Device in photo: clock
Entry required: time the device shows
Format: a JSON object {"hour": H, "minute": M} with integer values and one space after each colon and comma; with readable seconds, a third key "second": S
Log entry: {"hour": 2, "minute": 54}
